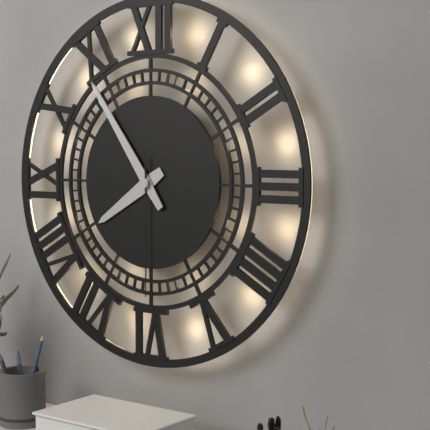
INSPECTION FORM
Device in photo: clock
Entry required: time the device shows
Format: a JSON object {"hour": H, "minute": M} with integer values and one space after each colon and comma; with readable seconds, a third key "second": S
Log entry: {"hour": 7, "minute": 54, "second": 30}
